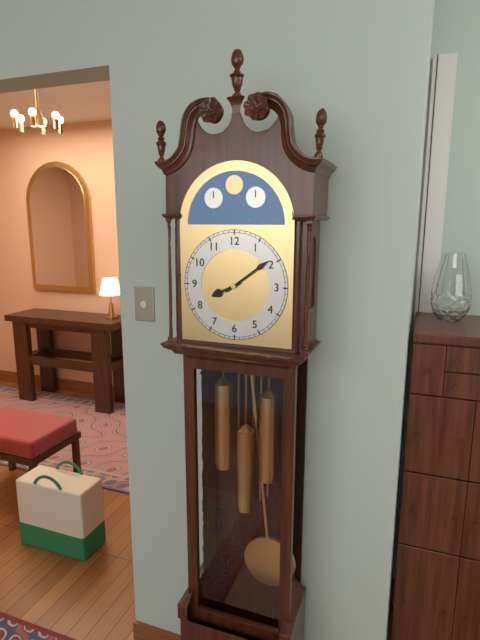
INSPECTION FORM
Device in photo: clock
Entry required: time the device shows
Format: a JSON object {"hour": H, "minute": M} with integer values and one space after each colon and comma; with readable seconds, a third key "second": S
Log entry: {"hour": 8, "minute": 9}
